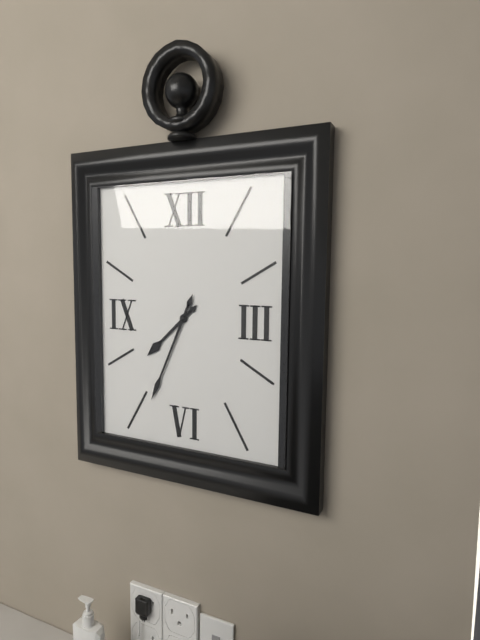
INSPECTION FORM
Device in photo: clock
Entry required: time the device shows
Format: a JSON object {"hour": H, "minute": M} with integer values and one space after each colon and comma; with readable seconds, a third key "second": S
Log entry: {"hour": 7, "minute": 34}
